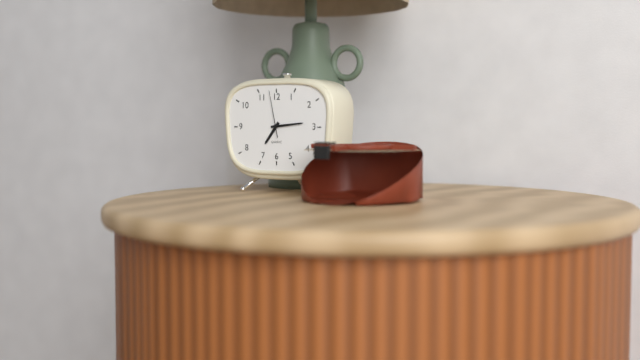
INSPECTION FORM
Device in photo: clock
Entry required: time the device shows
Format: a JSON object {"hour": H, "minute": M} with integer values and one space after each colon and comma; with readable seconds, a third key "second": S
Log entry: {"hour": 7, "minute": 14}
